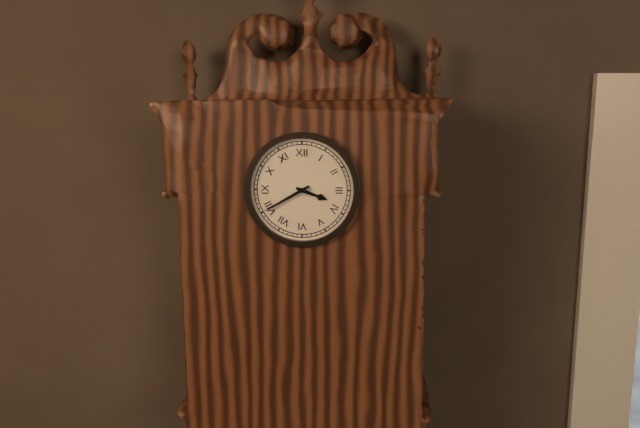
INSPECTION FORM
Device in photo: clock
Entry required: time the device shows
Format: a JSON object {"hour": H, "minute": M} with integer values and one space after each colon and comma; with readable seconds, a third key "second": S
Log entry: {"hour": 3, "minute": 40}
